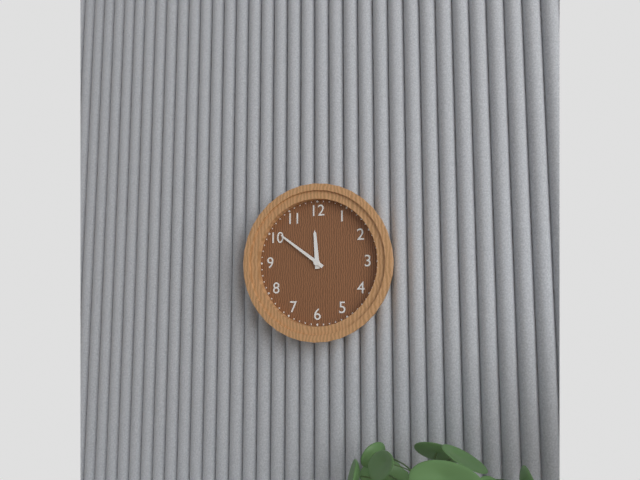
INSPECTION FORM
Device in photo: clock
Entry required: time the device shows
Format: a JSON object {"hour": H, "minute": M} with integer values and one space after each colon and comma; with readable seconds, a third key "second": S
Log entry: {"hour": 11, "minute": 51}
